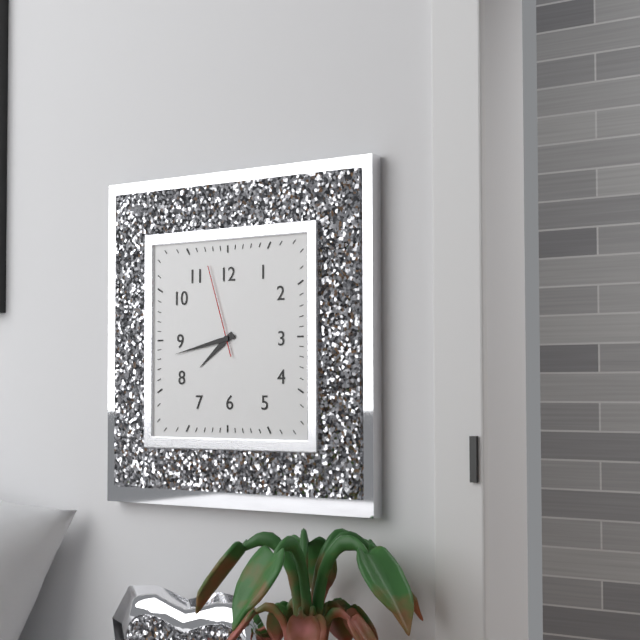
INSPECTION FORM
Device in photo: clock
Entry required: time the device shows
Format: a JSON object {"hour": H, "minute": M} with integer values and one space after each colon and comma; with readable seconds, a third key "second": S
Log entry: {"hour": 7, "minute": 43, "second": 57}
